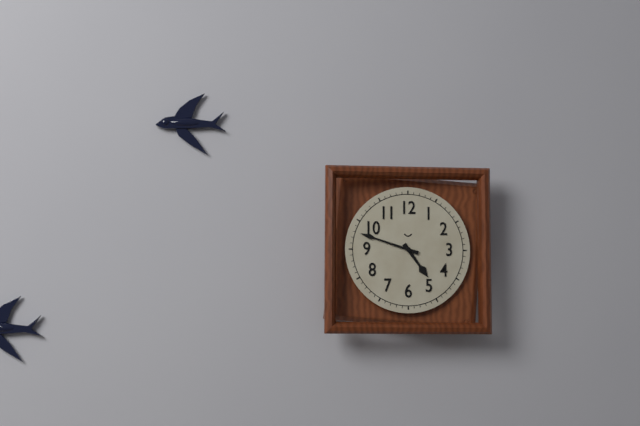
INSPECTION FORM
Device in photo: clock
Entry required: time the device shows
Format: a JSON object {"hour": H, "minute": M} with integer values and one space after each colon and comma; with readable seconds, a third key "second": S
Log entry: {"hour": 4, "minute": 48}
